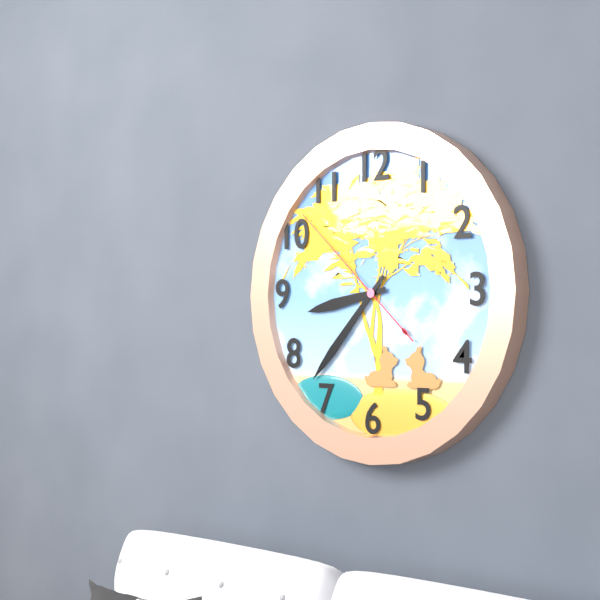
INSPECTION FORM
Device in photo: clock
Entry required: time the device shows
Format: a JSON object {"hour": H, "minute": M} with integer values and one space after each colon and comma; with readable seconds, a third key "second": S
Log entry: {"hour": 8, "minute": 37, "second": 52}
